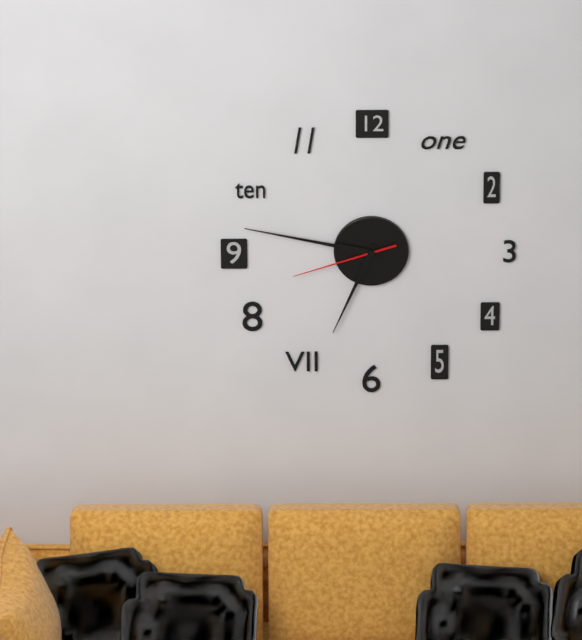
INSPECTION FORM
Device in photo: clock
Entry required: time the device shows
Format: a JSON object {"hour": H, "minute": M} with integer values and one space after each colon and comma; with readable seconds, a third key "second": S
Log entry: {"hour": 6, "minute": 47, "second": 42}
